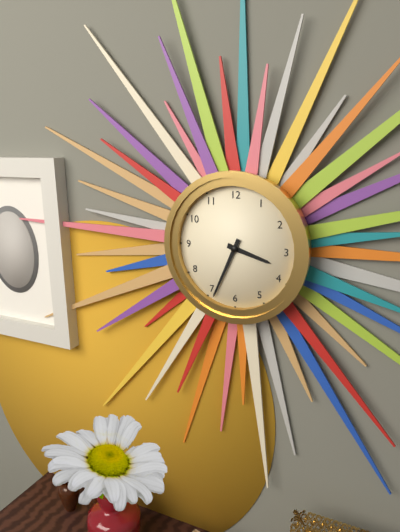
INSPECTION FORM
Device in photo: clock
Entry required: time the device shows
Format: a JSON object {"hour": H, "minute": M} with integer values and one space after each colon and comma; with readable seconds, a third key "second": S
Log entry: {"hour": 3, "minute": 34}
